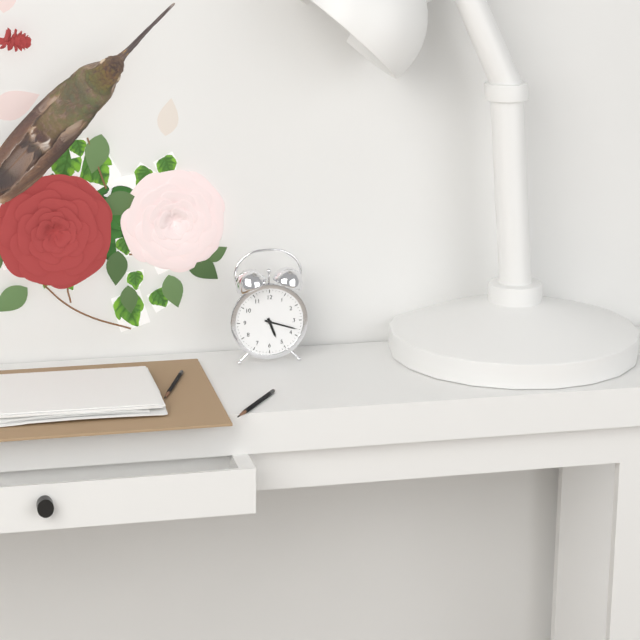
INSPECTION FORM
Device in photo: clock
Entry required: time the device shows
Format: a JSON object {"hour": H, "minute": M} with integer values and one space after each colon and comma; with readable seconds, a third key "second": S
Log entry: {"hour": 5, "minute": 18}
